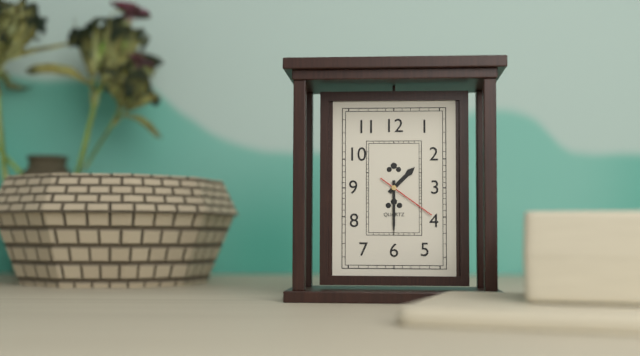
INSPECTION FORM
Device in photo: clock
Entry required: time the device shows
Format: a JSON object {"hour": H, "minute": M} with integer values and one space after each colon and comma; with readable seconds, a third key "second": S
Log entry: {"hour": 1, "minute": 30, "second": 21}
